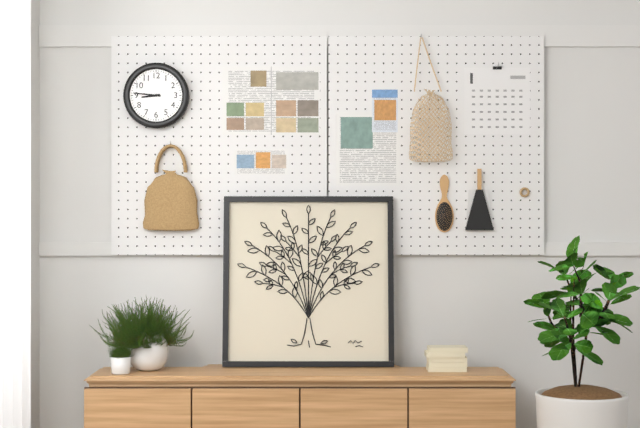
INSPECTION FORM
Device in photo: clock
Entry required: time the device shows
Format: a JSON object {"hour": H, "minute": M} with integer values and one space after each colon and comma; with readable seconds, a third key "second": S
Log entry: {"hour": 8, "minute": 46}
